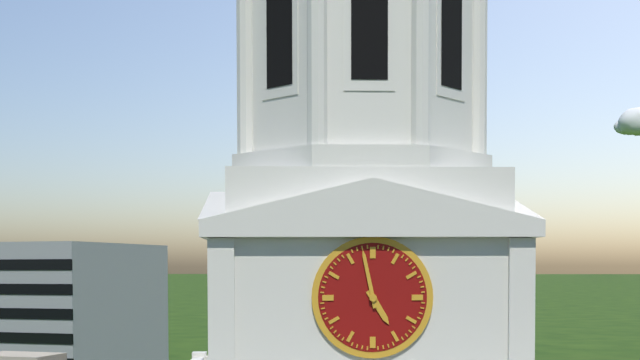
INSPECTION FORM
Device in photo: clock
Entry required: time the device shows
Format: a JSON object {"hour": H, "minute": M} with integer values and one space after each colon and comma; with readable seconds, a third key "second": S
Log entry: {"hour": 4, "minute": 58}
